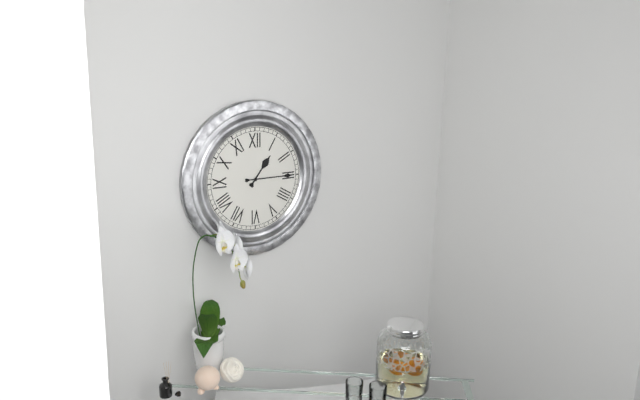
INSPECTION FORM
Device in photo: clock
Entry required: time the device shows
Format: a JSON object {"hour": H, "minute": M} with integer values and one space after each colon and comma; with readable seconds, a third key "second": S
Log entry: {"hour": 1, "minute": 15}
